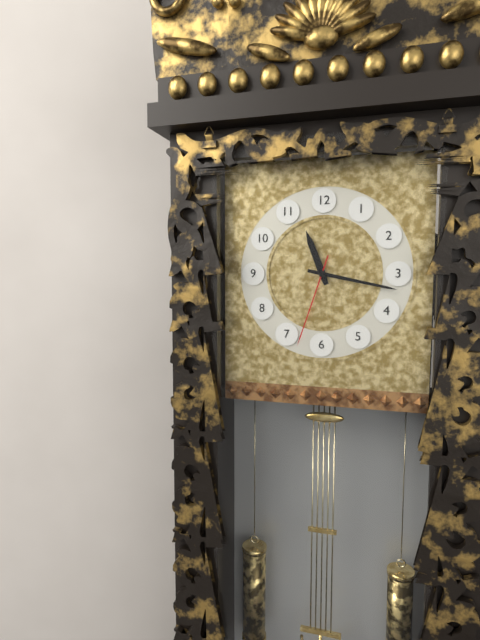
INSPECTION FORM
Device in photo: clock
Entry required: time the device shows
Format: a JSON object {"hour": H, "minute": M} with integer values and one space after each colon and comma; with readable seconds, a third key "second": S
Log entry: {"hour": 11, "minute": 17, "second": 33}
